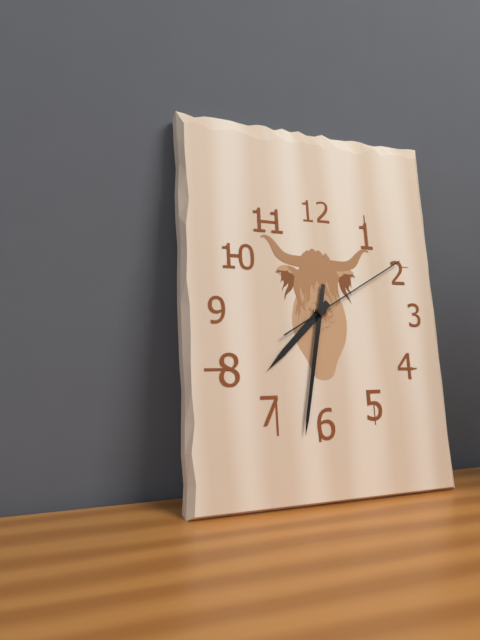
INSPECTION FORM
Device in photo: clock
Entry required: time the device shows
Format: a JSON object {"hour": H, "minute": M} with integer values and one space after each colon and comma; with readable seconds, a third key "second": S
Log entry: {"hour": 7, "minute": 32, "second": 10}
